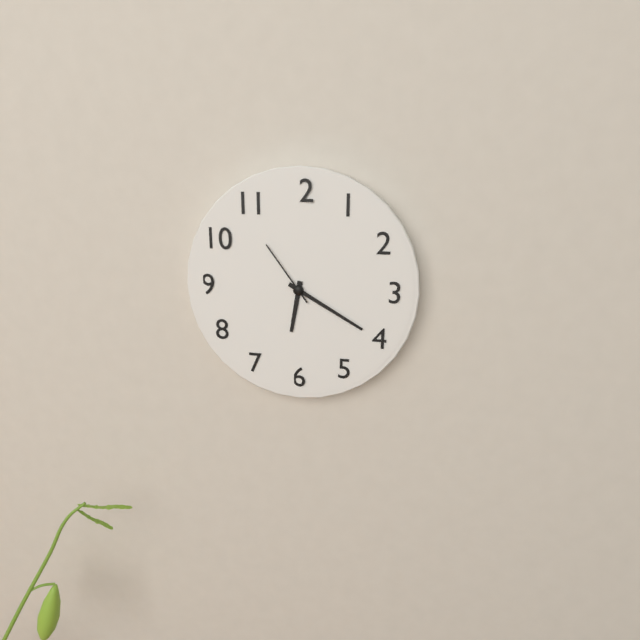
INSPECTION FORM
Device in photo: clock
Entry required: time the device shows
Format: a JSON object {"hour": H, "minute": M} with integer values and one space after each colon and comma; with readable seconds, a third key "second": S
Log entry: {"hour": 6, "minute": 20, "second": 54}
